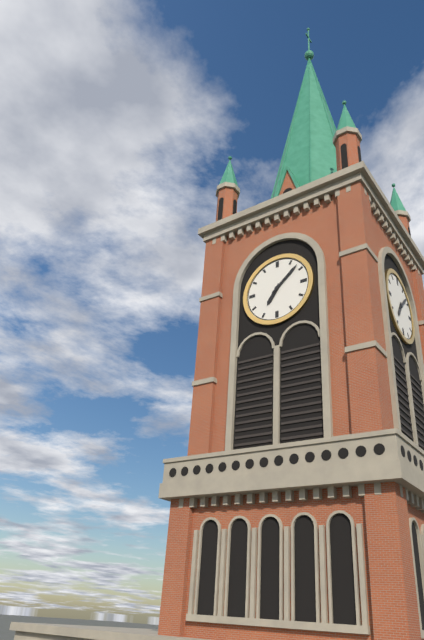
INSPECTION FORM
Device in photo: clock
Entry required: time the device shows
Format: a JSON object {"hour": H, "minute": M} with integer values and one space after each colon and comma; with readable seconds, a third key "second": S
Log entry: {"hour": 7, "minute": 8}
